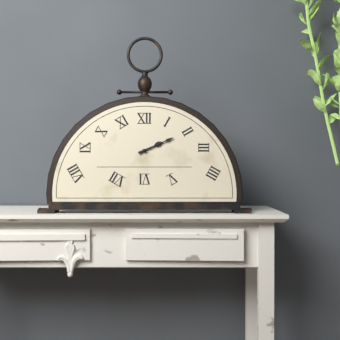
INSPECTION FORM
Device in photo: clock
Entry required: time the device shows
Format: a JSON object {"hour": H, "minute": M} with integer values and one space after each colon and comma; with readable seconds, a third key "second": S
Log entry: {"hour": 2, "minute": 11}
